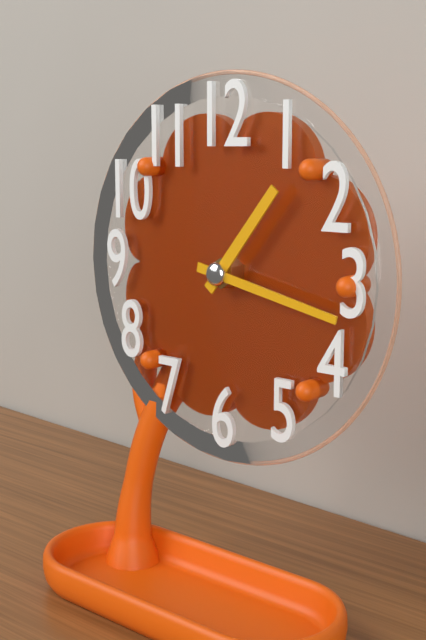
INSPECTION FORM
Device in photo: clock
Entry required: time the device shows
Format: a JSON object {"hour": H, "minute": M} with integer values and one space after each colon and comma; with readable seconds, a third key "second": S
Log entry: {"hour": 1, "minute": 17}
